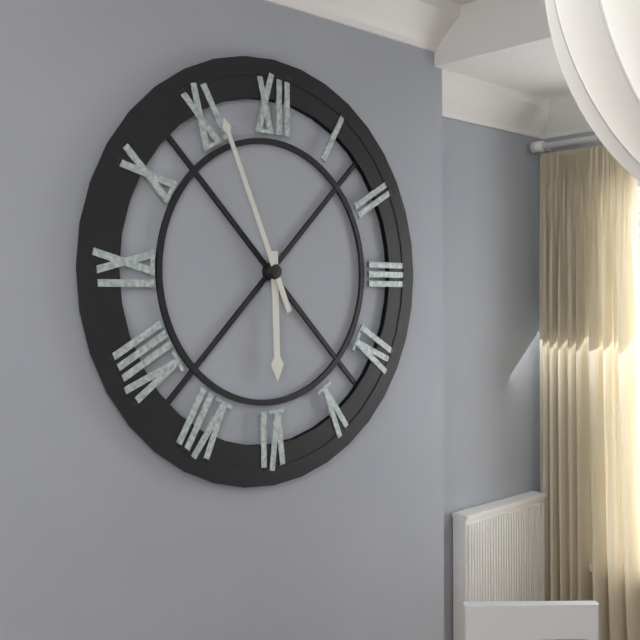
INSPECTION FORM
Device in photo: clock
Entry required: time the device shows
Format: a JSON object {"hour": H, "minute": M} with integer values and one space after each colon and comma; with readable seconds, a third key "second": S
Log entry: {"hour": 5, "minute": 56}
